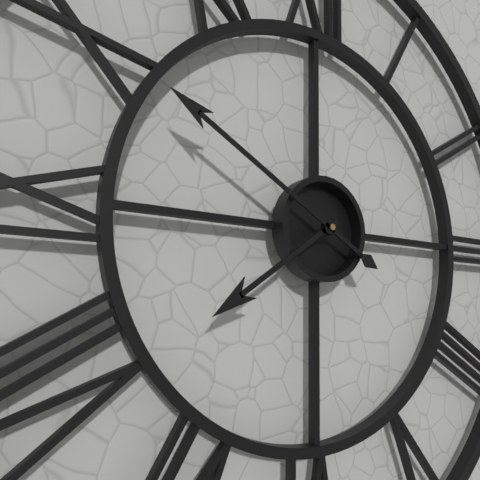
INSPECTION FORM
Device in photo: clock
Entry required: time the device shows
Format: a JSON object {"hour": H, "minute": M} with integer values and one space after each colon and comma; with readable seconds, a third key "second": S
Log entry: {"hour": 7, "minute": 50}
